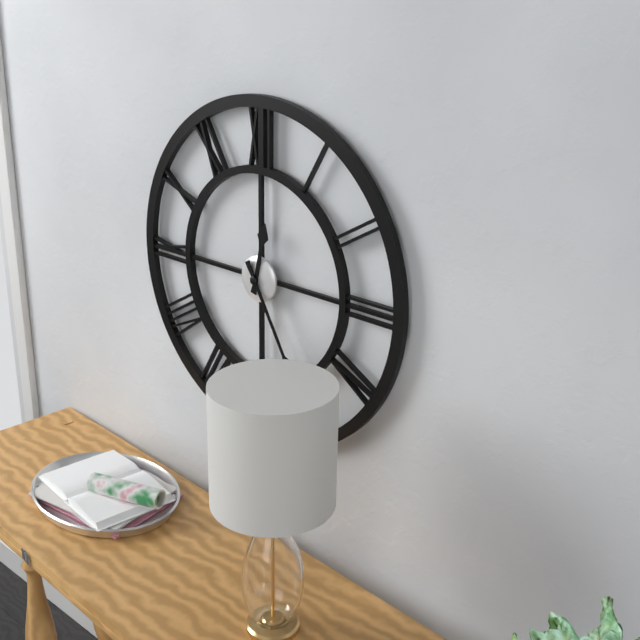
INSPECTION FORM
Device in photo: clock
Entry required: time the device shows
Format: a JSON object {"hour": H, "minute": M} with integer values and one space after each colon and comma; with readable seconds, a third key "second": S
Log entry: {"hour": 12, "minute": 25}
